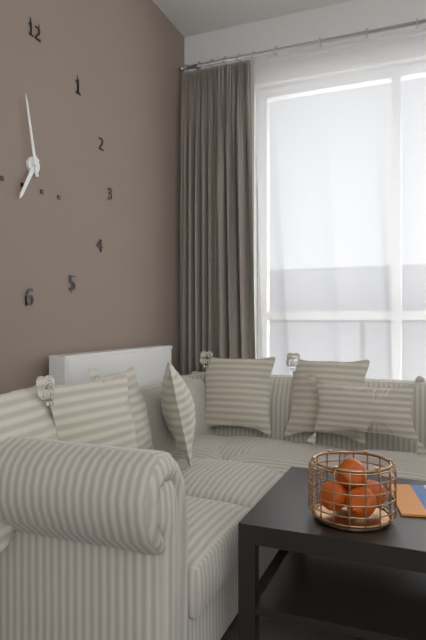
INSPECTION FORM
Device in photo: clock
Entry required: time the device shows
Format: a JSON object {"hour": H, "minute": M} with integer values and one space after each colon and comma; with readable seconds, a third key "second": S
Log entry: {"hour": 6, "minute": 58}
